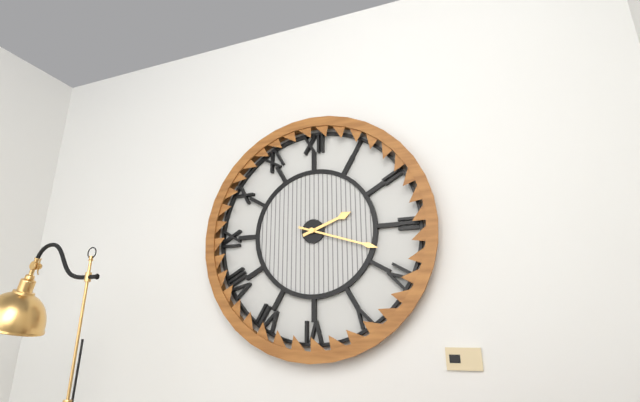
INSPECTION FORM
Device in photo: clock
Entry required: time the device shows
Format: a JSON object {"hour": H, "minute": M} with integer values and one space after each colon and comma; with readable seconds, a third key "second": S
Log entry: {"hour": 2, "minute": 18}
